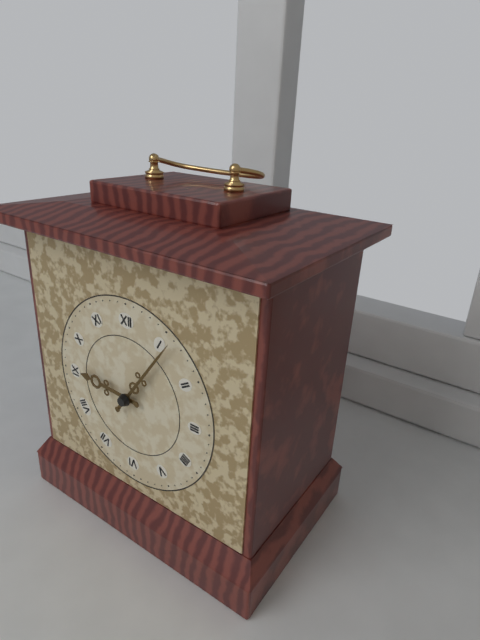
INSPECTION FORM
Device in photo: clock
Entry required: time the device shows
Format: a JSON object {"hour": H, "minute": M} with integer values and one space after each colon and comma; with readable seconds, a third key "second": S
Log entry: {"hour": 9, "minute": 6}
